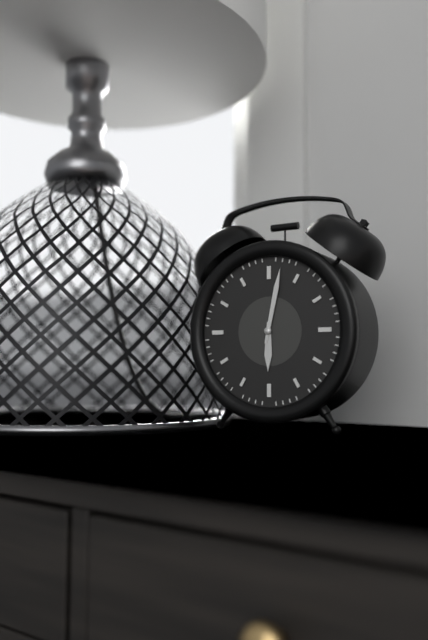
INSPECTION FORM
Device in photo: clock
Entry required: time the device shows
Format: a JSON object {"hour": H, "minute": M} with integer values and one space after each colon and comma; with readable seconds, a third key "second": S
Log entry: {"hour": 6, "minute": 2}
